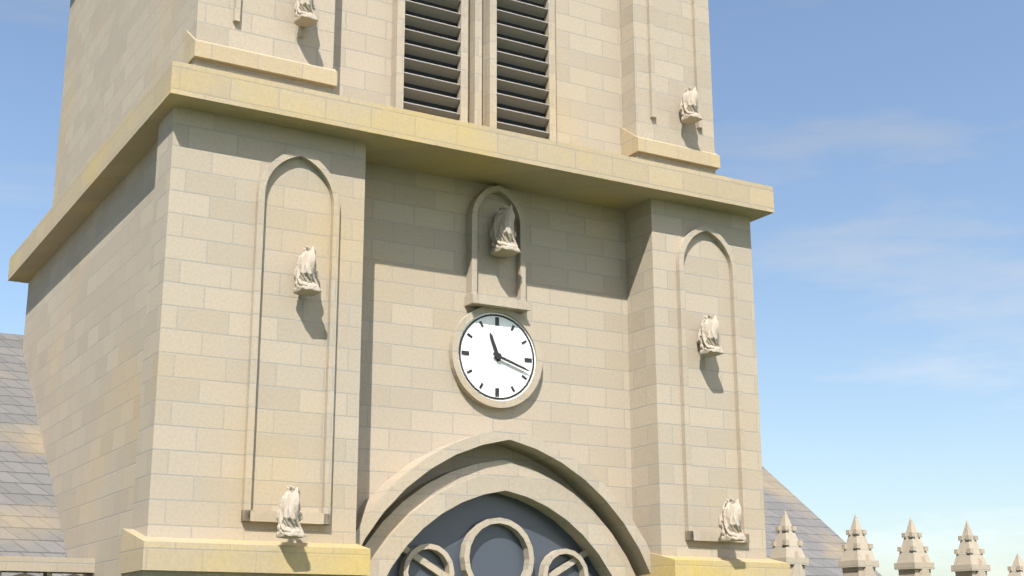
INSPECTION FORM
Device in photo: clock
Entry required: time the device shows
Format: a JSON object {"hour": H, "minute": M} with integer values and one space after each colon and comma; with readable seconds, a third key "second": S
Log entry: {"hour": 11, "minute": 18}
